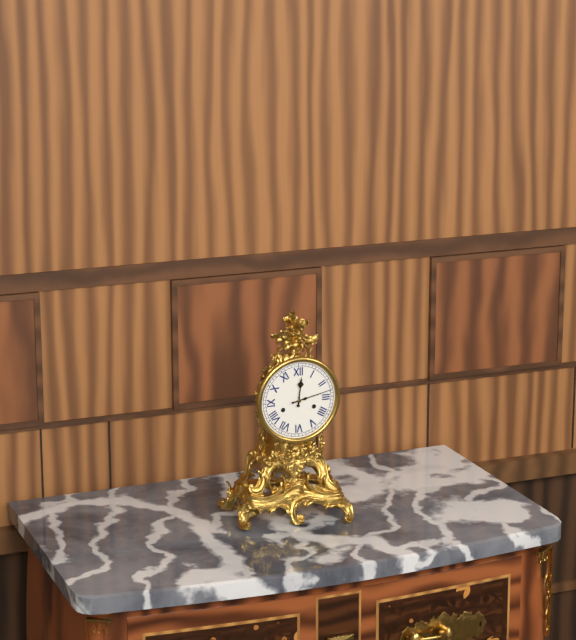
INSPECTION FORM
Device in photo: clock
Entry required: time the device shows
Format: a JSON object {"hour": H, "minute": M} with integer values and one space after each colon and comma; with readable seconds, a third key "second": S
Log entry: {"hour": 12, "minute": 13}
